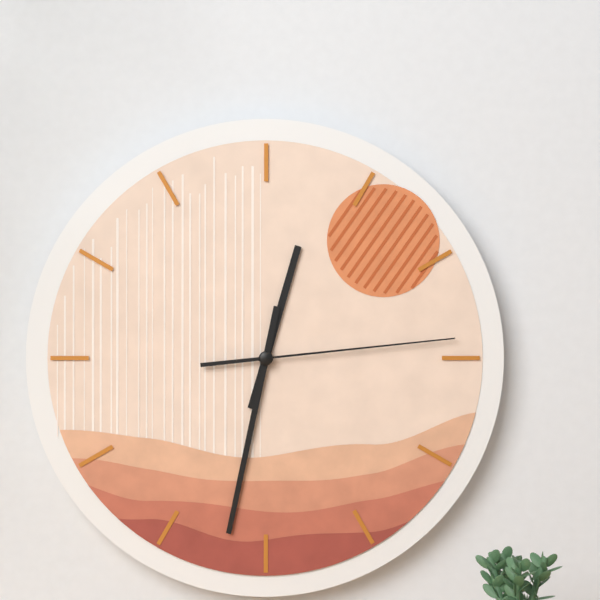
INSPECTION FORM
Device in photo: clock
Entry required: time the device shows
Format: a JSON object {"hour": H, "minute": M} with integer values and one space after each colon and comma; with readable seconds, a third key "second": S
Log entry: {"hour": 12, "minute": 32, "second": 14}
